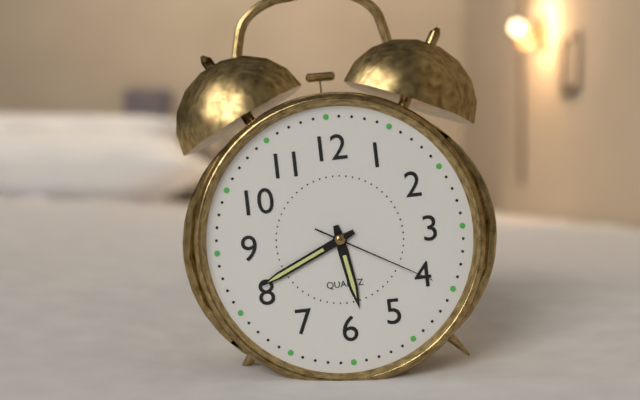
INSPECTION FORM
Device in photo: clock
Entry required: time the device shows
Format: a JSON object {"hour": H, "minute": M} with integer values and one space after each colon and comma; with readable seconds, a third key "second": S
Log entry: {"hour": 5, "minute": 41, "second": 20}
